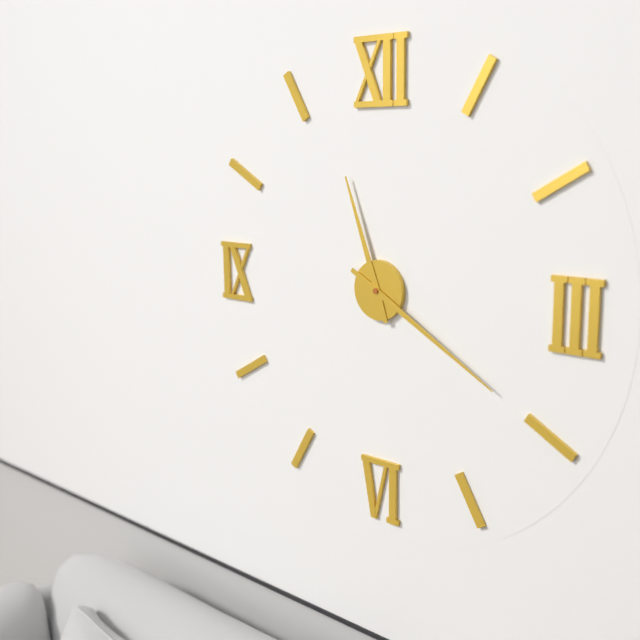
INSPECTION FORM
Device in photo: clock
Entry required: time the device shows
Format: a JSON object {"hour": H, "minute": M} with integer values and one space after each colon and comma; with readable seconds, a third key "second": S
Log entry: {"hour": 11, "minute": 20}
